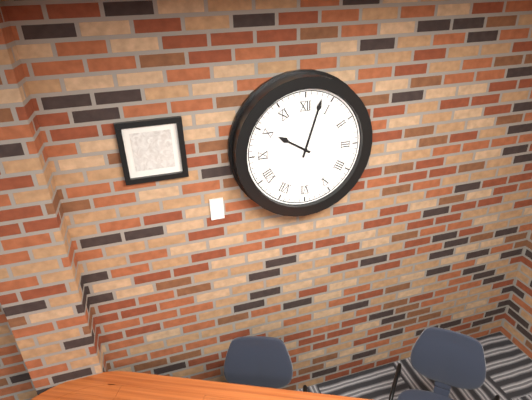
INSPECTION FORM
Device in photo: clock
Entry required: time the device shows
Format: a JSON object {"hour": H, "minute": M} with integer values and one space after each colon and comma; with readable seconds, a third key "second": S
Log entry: {"hour": 10, "minute": 3}
